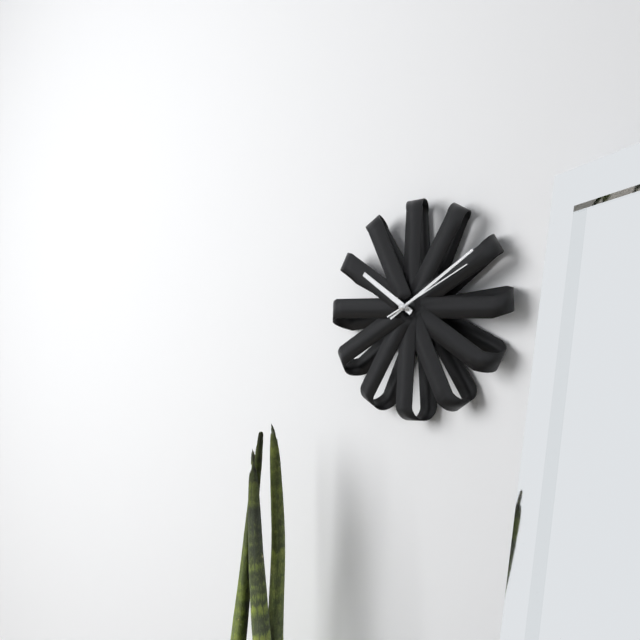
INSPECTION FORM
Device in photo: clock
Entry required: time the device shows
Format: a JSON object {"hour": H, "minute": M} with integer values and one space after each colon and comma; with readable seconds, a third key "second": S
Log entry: {"hour": 10, "minute": 10, "second": 11}
